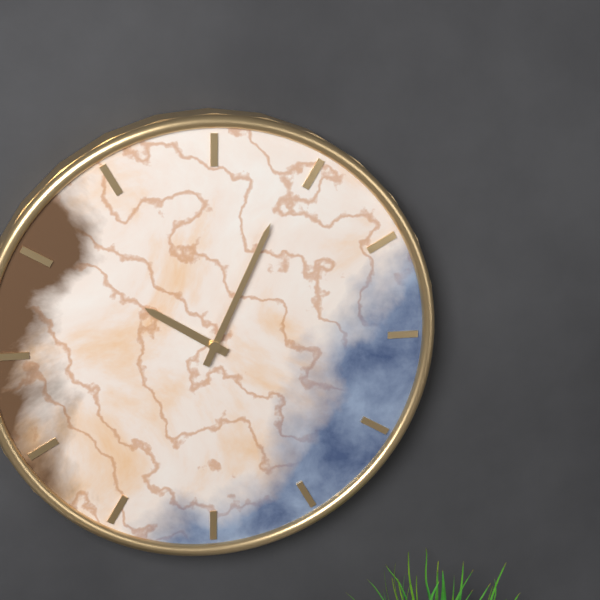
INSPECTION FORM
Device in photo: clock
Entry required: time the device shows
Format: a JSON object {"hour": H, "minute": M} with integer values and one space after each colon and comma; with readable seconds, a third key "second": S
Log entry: {"hour": 10, "minute": 4}
